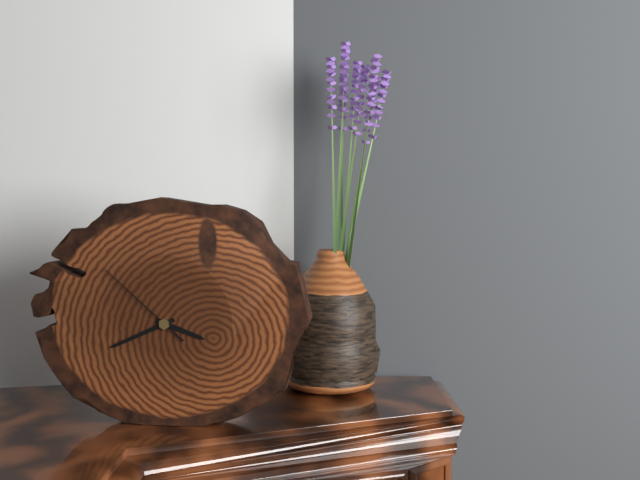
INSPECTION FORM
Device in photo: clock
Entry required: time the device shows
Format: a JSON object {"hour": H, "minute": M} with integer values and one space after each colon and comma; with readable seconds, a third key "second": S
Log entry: {"hour": 3, "minute": 41, "second": 52}
